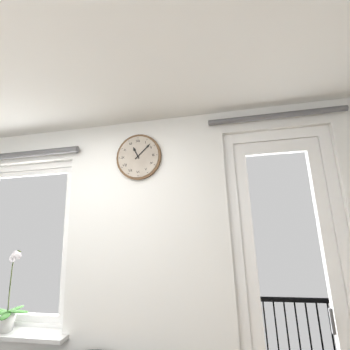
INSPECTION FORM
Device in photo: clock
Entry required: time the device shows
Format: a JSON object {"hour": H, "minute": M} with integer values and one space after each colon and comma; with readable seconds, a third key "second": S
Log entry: {"hour": 11, "minute": 8}
